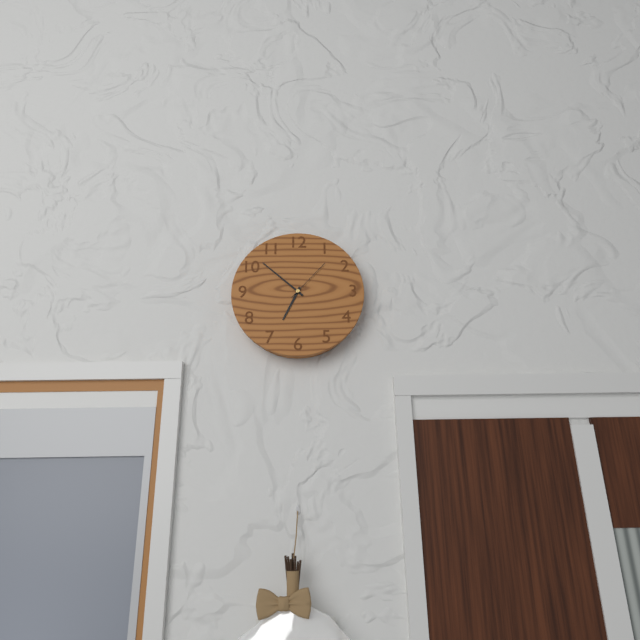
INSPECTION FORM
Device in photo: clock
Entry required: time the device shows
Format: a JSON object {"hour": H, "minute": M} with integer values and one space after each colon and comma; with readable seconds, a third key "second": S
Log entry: {"hour": 6, "minute": 52}
